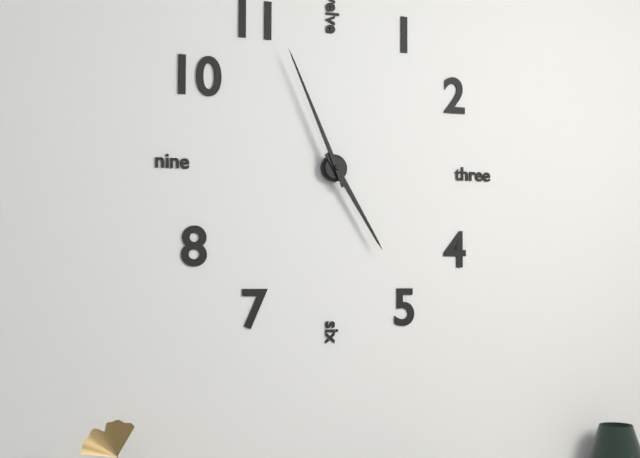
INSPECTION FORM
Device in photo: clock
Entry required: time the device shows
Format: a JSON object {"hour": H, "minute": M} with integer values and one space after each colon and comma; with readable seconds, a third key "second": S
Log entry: {"hour": 4, "minute": 56}
